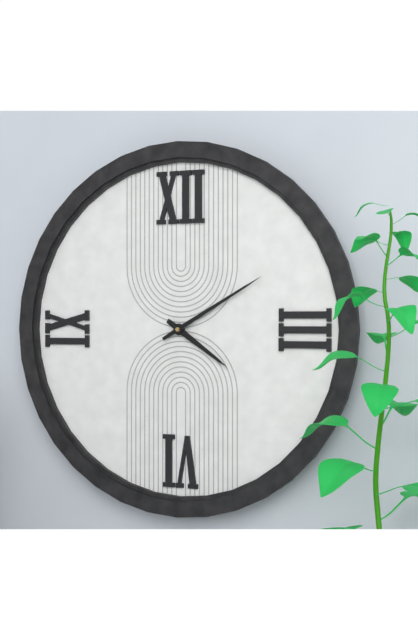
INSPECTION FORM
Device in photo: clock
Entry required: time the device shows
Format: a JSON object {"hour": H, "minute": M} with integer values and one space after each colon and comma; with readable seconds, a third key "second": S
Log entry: {"hour": 4, "minute": 10}
